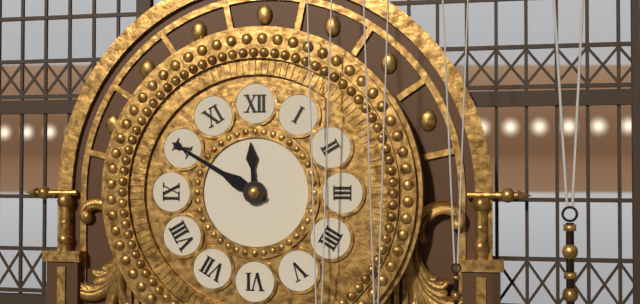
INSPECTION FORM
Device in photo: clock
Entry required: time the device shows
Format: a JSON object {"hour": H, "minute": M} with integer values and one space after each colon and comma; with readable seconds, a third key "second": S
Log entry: {"hour": 11, "minute": 50}
